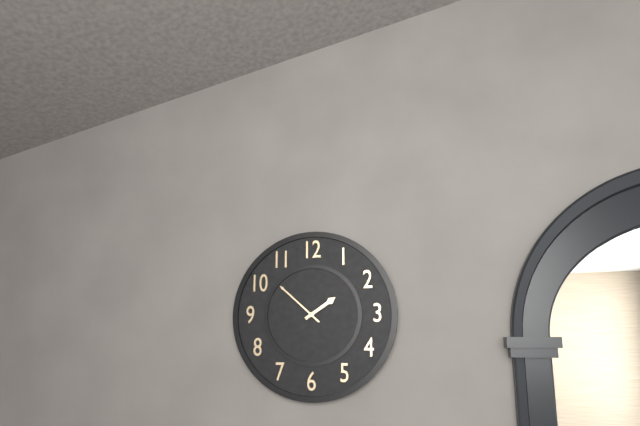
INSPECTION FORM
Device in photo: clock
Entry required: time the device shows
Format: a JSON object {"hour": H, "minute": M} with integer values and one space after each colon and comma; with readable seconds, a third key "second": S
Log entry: {"hour": 1, "minute": 52}
